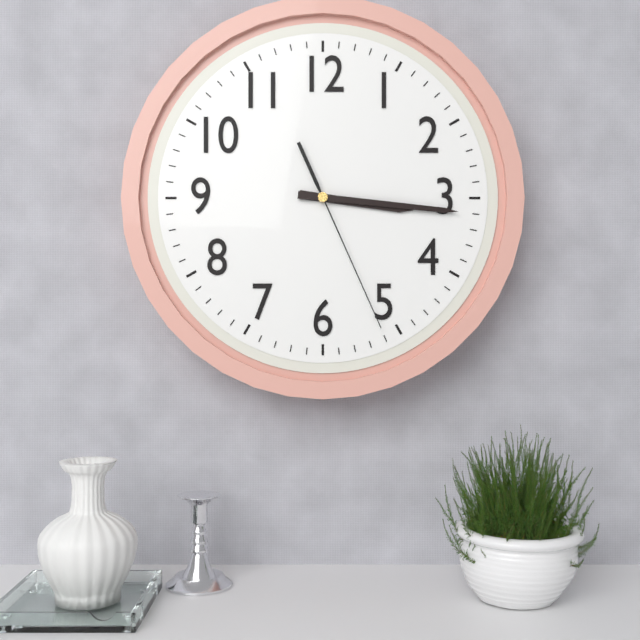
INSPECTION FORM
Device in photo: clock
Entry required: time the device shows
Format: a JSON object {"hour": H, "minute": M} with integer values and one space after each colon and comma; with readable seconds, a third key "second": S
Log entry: {"hour": 3, "minute": 16, "second": 26}
